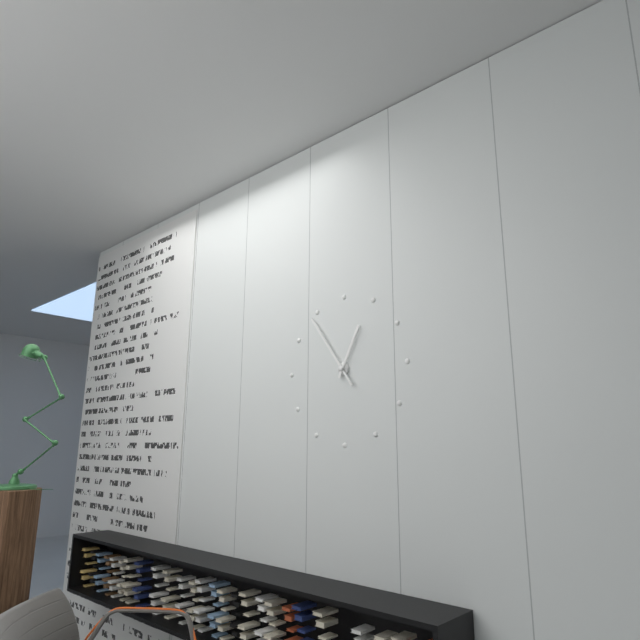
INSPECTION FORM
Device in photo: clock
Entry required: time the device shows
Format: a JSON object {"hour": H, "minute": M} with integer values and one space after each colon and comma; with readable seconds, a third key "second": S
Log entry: {"hour": 12, "minute": 54}
